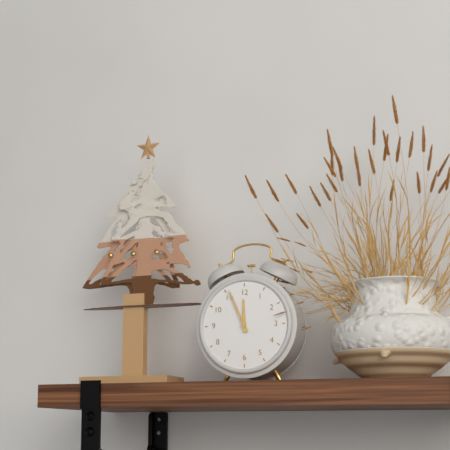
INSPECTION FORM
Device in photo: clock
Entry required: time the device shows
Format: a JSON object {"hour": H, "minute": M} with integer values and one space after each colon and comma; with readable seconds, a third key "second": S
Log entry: {"hour": 11, "minute": 56}
